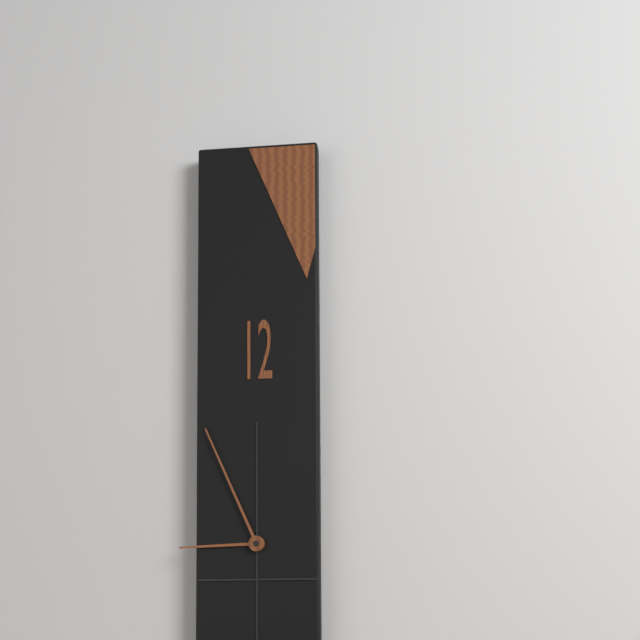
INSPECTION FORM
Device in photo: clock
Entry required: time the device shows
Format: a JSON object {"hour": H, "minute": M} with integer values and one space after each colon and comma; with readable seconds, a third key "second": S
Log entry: {"hour": 8, "minute": 56}
